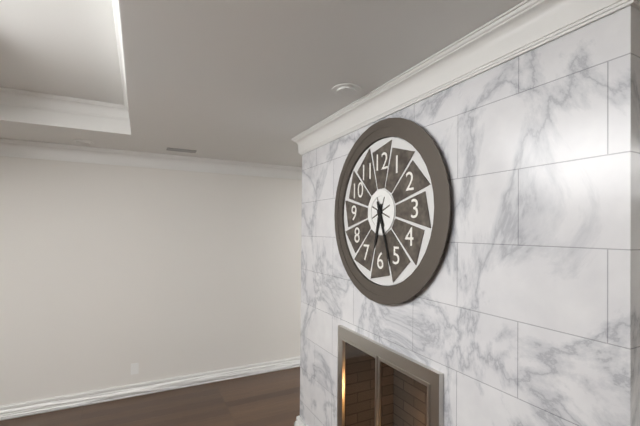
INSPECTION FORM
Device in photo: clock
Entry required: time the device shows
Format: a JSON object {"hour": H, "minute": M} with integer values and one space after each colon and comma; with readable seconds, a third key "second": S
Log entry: {"hour": 6, "minute": 27}
